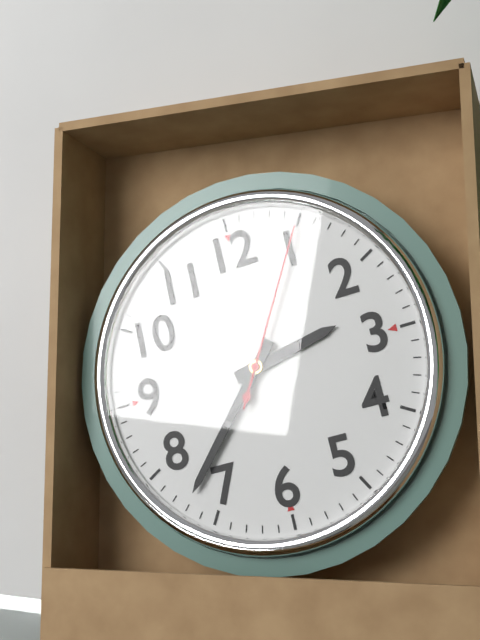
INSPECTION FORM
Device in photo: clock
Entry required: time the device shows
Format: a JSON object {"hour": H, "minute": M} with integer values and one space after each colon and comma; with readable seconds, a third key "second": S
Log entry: {"hour": 2, "minute": 37, "second": 5}
